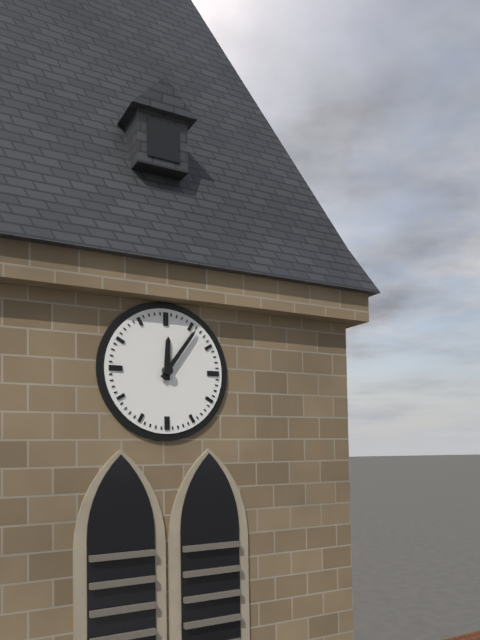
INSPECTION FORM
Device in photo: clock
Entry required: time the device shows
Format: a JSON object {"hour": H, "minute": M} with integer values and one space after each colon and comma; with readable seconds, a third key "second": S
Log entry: {"hour": 12, "minute": 6}
